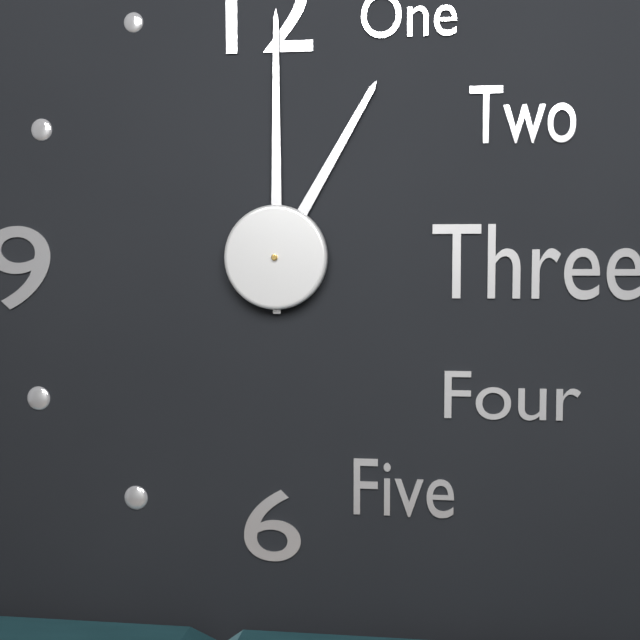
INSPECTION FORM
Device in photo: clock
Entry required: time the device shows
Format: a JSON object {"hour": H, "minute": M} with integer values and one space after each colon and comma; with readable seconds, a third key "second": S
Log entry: {"hour": 1, "minute": 0}
